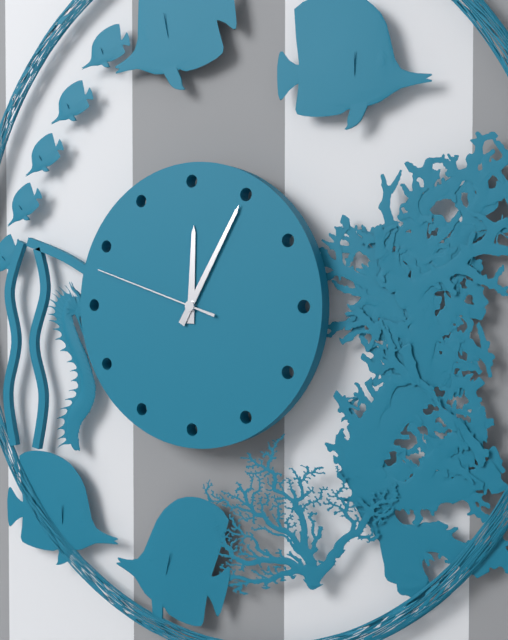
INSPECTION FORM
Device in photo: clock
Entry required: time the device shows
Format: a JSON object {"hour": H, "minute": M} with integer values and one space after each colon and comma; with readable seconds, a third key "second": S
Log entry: {"hour": 12, "minute": 5, "second": 48}
